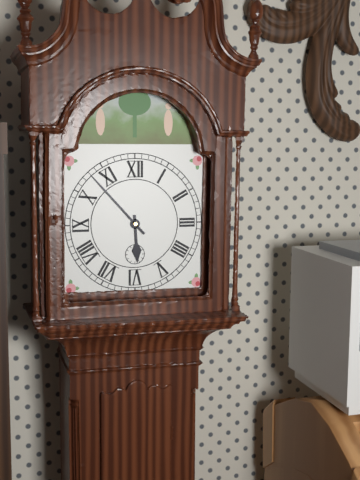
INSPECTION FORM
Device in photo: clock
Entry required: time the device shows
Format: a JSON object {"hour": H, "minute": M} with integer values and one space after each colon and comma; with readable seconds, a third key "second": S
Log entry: {"hour": 5, "minute": 53}
